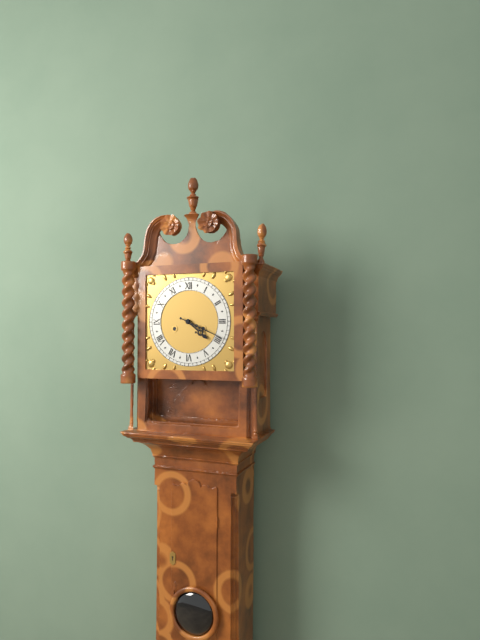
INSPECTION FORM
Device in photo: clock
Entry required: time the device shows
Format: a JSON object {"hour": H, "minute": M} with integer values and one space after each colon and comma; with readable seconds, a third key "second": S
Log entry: {"hour": 4, "minute": 19}
